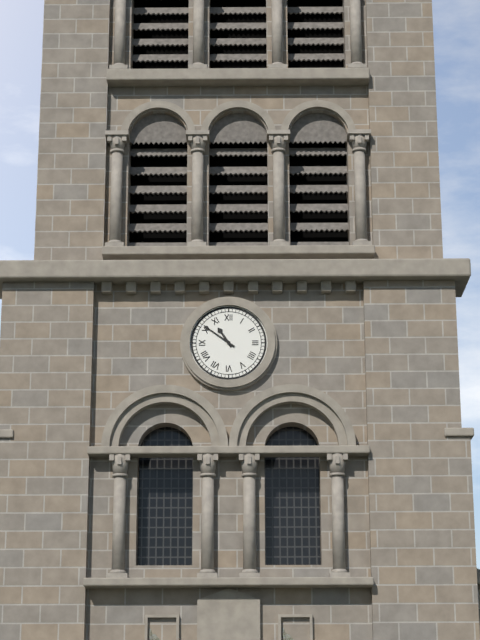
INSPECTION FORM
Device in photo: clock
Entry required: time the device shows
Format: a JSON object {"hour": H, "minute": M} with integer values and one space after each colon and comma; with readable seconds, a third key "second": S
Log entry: {"hour": 10, "minute": 51}
